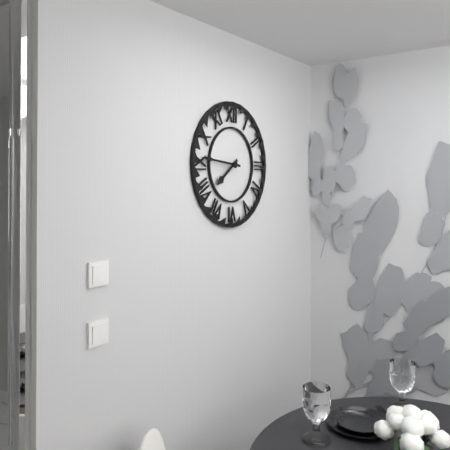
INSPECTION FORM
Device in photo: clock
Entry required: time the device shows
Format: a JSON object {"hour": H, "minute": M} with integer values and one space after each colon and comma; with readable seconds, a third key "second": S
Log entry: {"hour": 7, "minute": 46}
